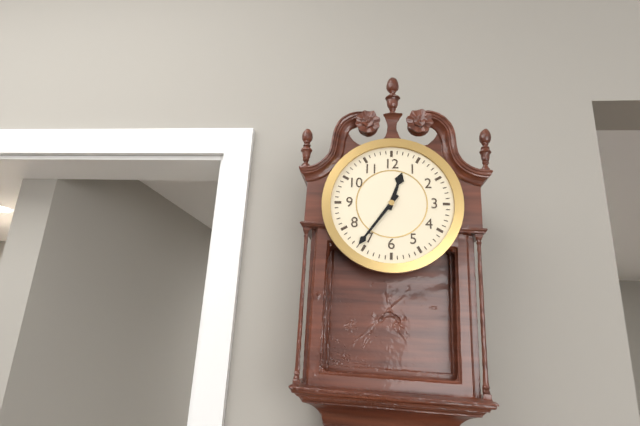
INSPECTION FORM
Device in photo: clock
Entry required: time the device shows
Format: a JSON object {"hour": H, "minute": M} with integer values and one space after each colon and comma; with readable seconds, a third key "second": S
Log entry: {"hour": 12, "minute": 36}
